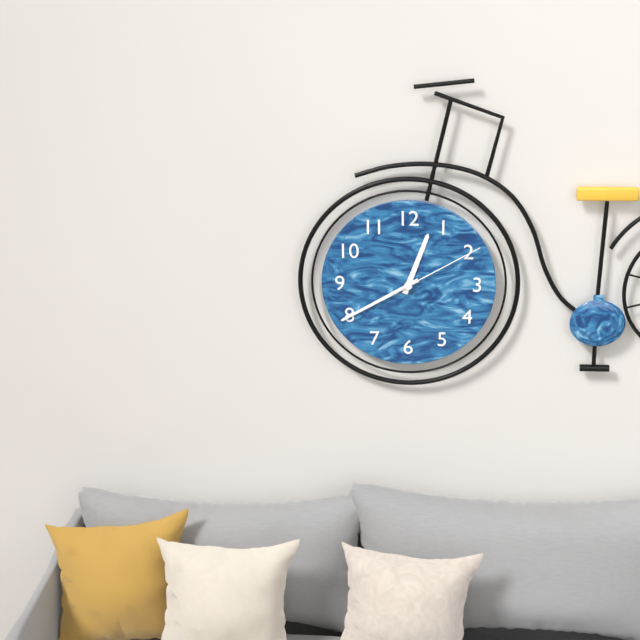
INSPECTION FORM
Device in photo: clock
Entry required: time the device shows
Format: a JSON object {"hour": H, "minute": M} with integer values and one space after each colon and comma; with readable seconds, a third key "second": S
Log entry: {"hour": 12, "minute": 40, "second": 10}
